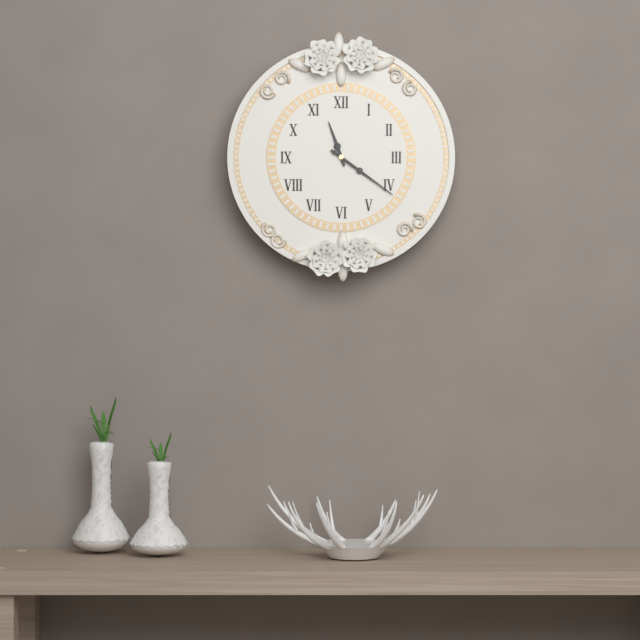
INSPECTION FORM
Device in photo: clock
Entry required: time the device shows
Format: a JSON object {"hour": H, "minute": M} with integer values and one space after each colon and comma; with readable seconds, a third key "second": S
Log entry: {"hour": 11, "minute": 21}
